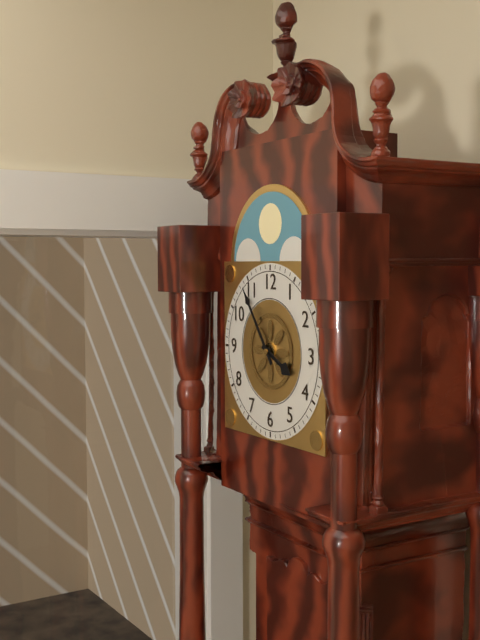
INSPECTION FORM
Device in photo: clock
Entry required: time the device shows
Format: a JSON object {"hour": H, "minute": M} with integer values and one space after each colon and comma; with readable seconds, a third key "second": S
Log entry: {"hour": 3, "minute": 54}
